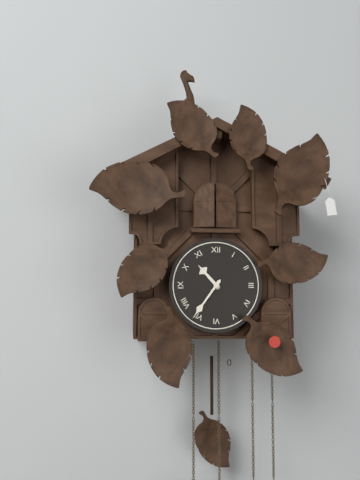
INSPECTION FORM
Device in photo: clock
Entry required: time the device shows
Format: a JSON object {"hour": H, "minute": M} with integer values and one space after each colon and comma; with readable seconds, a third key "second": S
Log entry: {"hour": 10, "minute": 36}
